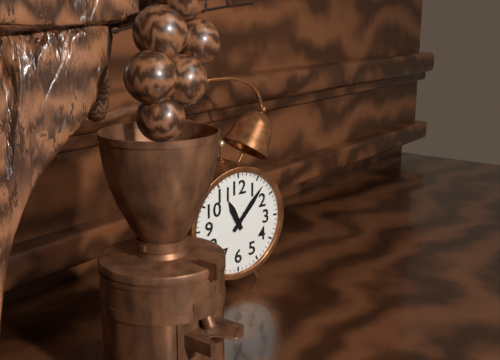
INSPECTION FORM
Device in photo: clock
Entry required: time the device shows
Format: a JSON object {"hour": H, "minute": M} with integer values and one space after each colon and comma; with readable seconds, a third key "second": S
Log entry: {"hour": 11, "minute": 7}
